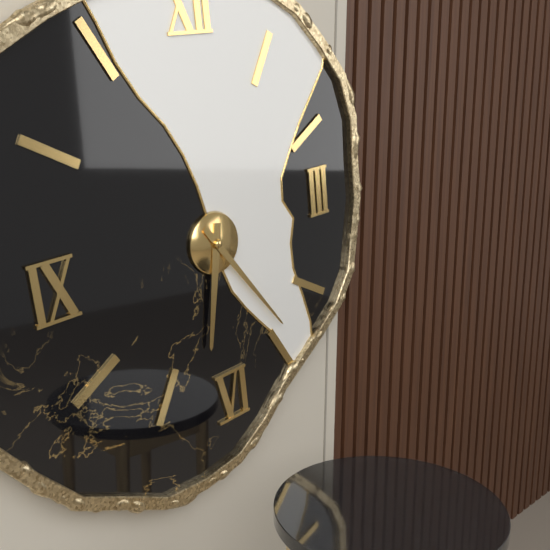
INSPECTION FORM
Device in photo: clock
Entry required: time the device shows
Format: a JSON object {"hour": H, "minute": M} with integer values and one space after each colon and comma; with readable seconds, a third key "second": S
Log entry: {"hour": 6, "minute": 24}
